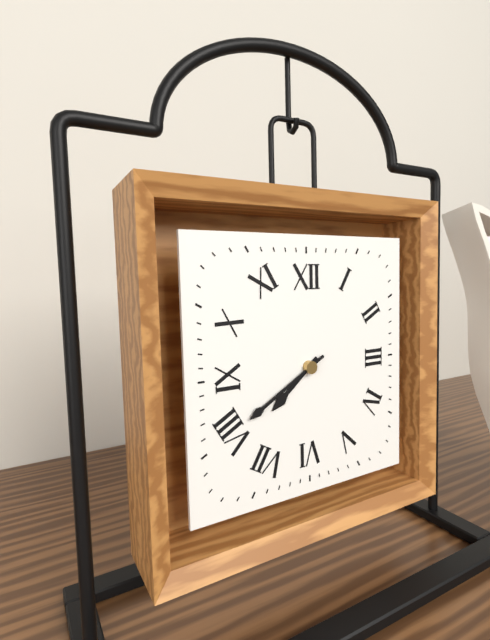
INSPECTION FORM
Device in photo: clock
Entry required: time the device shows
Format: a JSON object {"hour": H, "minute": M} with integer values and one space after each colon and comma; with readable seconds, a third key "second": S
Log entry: {"hour": 7, "minute": 40}
